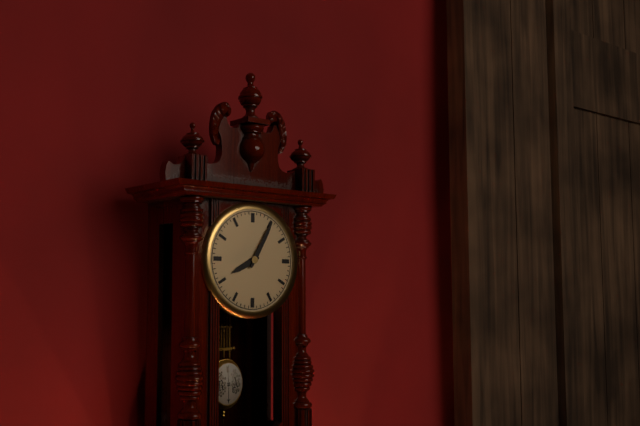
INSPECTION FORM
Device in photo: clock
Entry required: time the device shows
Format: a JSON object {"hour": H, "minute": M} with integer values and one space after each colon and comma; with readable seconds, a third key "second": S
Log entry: {"hour": 8, "minute": 5}
